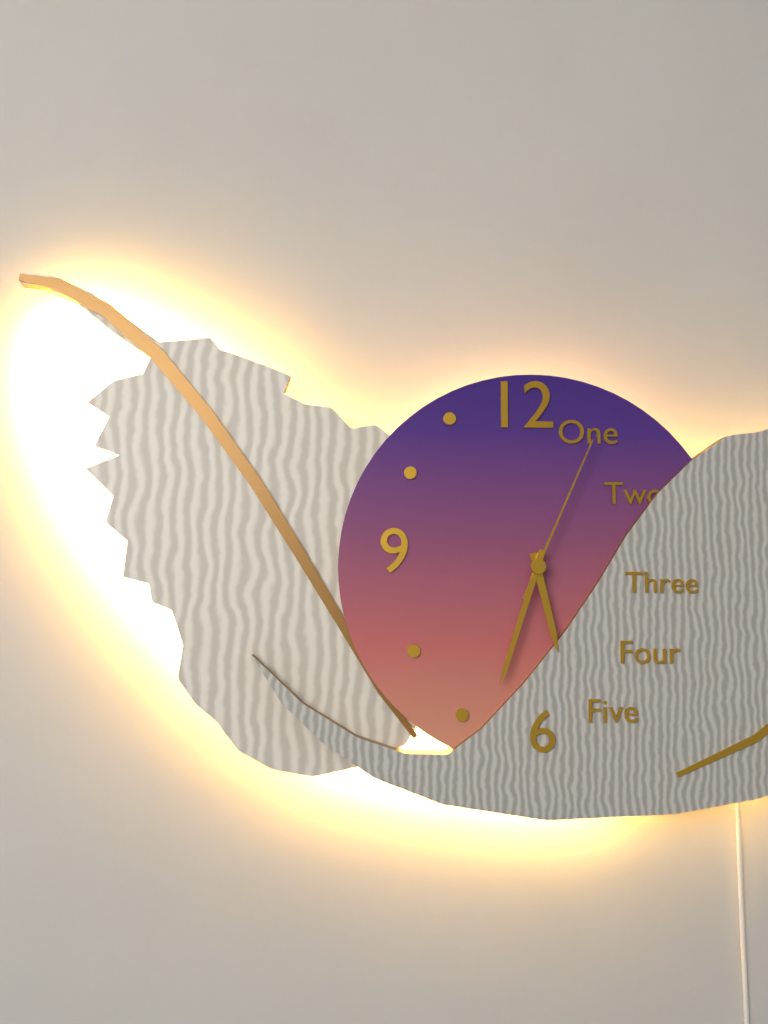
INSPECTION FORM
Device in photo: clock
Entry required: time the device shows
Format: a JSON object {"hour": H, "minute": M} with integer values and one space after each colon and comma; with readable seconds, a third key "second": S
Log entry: {"hour": 5, "minute": 33, "second": 4}
